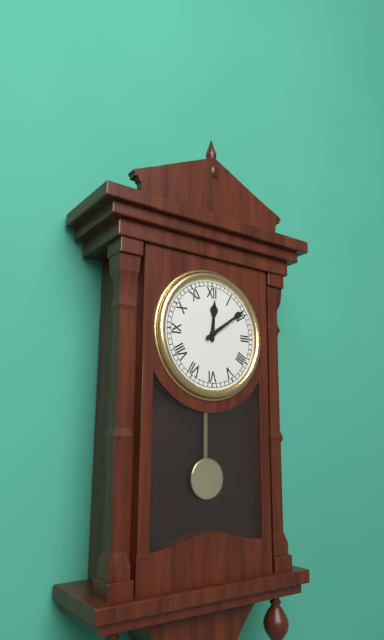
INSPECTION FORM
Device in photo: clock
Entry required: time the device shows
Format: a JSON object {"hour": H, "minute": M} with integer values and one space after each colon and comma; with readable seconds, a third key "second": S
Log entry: {"hour": 12, "minute": 9}
